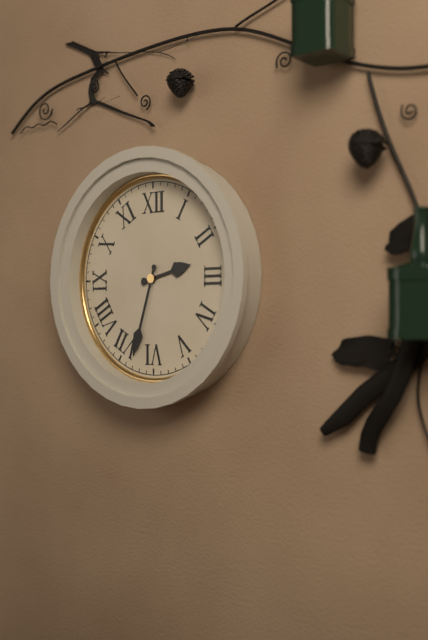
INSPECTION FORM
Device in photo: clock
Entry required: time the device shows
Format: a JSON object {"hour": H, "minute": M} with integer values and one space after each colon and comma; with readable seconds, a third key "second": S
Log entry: {"hour": 2, "minute": 33}
